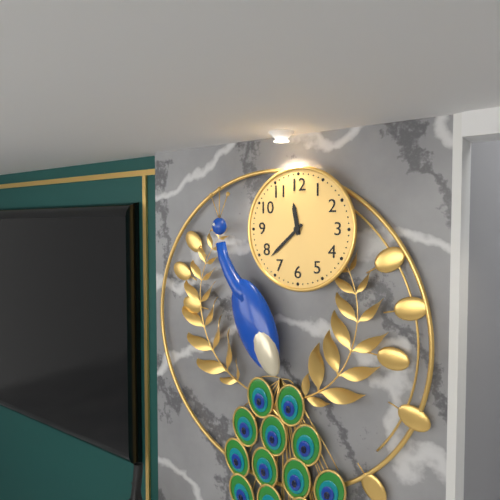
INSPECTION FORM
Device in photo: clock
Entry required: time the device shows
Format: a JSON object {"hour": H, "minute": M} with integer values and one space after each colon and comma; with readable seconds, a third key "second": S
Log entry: {"hour": 11, "minute": 38}
